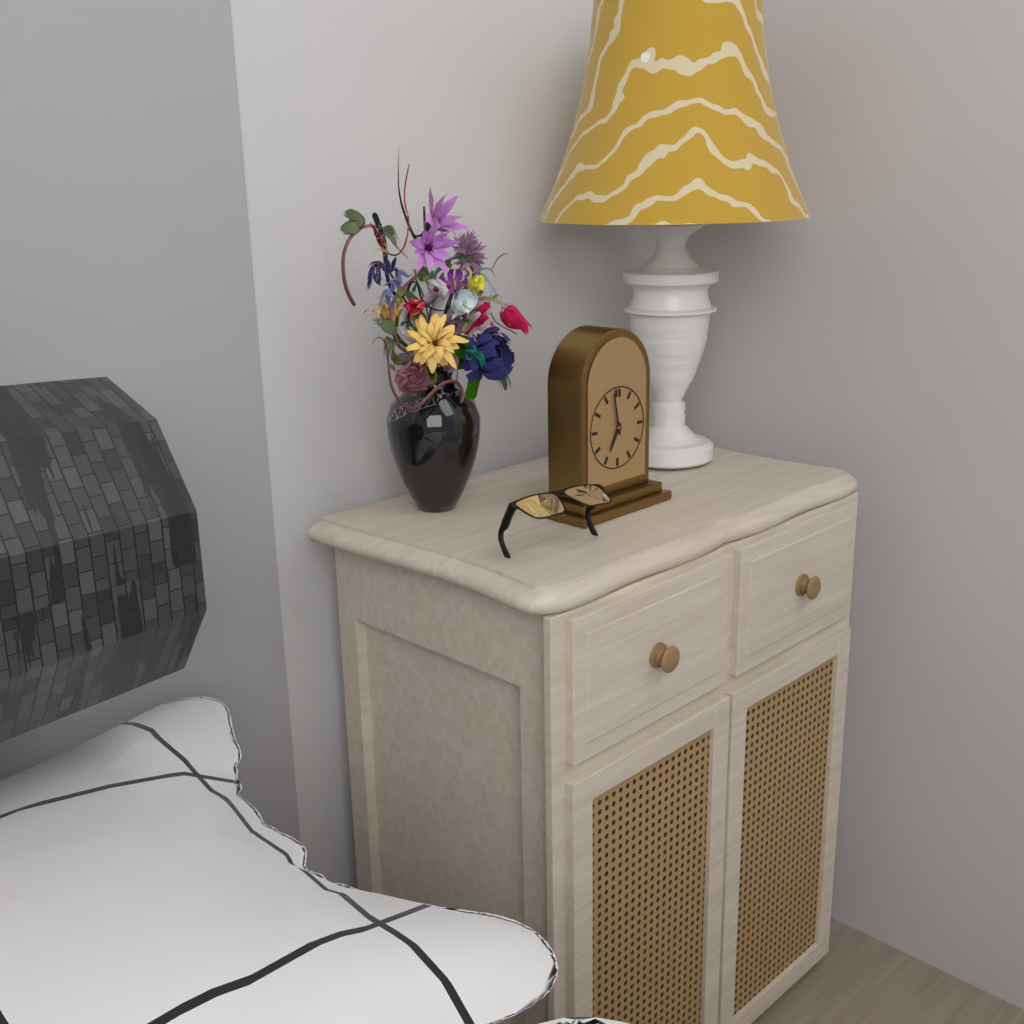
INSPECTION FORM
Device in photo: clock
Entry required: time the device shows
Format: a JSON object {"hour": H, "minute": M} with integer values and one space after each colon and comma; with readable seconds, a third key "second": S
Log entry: {"hour": 6, "minute": 58}
